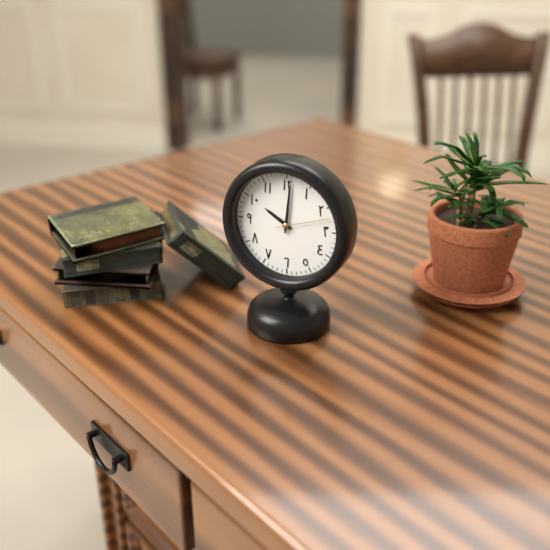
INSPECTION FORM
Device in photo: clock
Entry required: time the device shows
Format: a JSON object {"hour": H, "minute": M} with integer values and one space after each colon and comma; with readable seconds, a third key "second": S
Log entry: {"hour": 10, "minute": 1, "second": 12}
